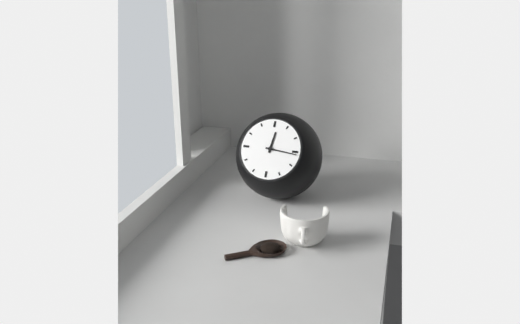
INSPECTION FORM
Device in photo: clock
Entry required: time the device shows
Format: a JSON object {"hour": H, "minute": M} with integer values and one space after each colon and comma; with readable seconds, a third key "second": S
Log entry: {"hour": 12, "minute": 16}
